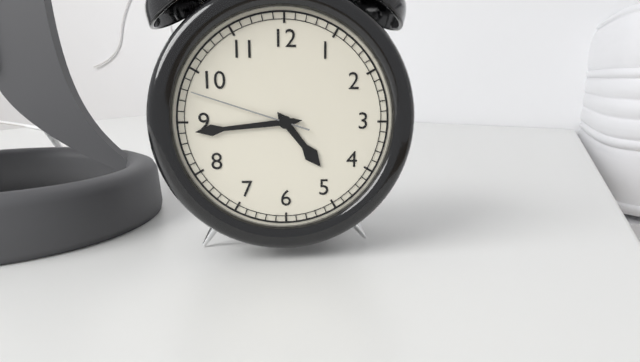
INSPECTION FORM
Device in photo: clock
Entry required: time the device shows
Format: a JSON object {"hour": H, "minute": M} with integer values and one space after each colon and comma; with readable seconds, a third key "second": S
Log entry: {"hour": 4, "minute": 44, "second": 48}
